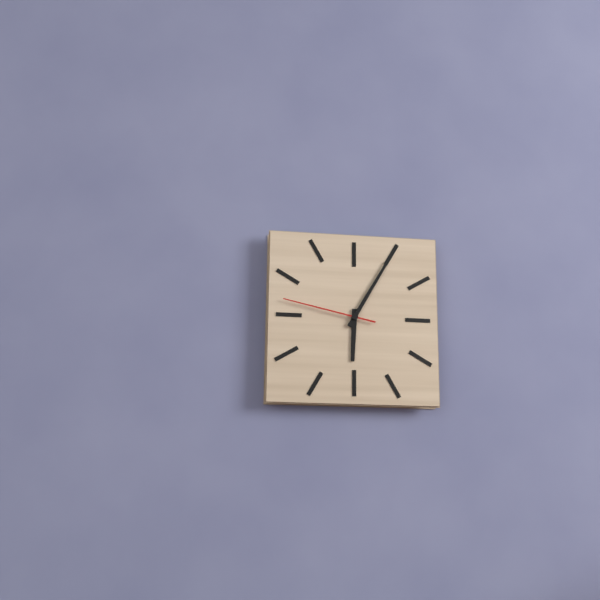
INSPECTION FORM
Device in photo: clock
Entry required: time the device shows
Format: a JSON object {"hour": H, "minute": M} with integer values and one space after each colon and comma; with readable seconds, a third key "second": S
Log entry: {"hour": 6, "minute": 5, "second": 47}
